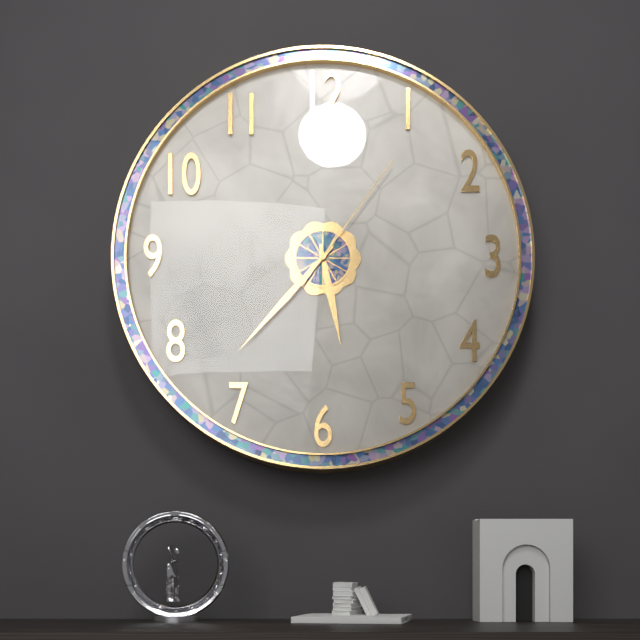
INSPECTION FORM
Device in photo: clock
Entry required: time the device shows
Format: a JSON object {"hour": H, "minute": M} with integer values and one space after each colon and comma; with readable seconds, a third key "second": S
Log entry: {"hour": 5, "minute": 37, "second": 6}
